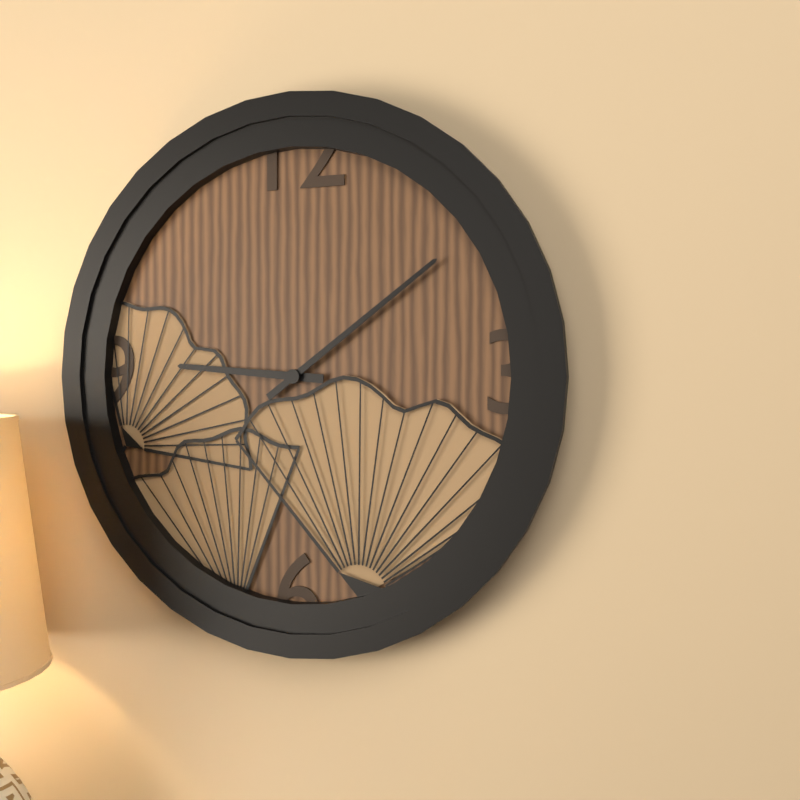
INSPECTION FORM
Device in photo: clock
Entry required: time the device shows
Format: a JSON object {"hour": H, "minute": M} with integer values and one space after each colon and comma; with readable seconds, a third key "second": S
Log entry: {"hour": 9, "minute": 9}
